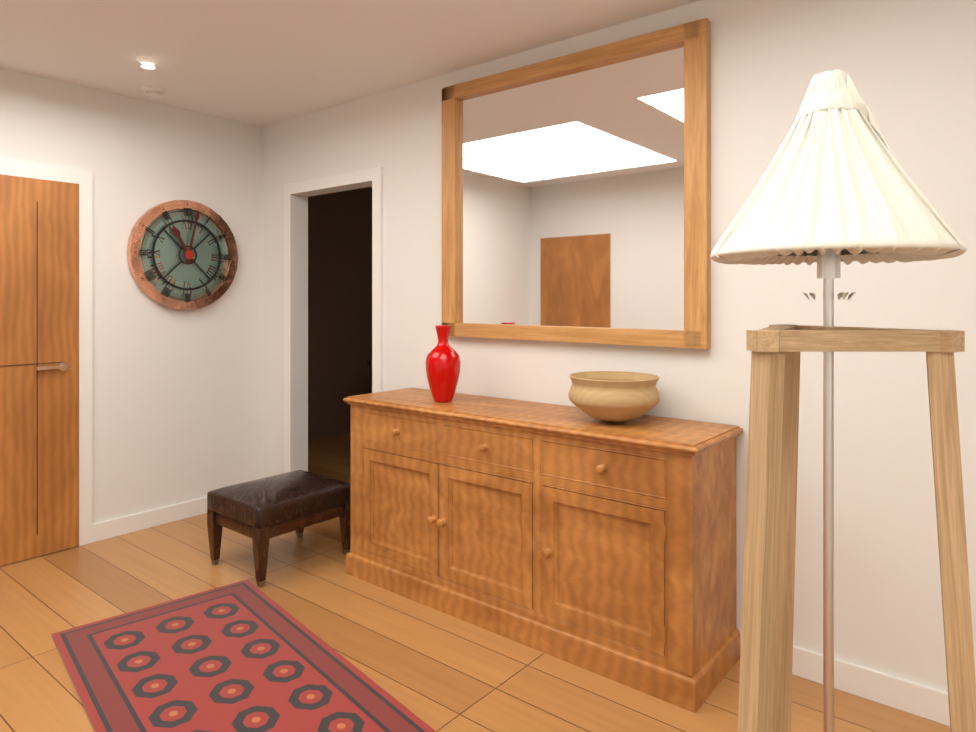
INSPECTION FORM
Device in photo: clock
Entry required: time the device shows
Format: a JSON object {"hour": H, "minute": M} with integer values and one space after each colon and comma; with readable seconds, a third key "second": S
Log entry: {"hour": 11, "minute": 2}
